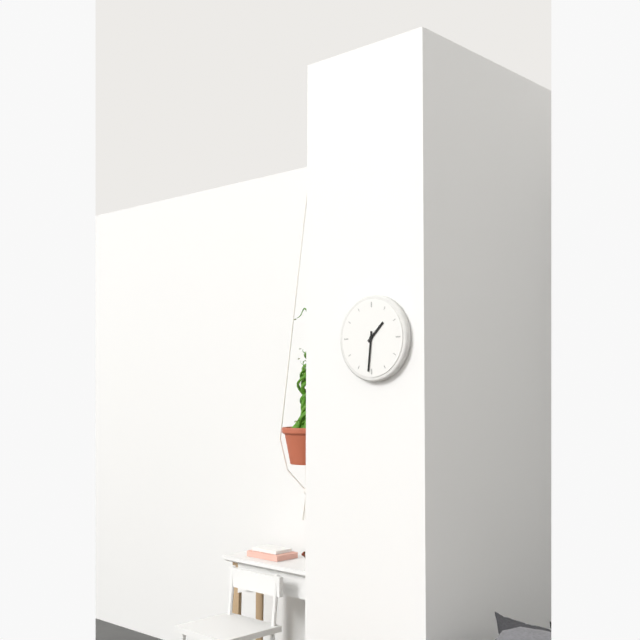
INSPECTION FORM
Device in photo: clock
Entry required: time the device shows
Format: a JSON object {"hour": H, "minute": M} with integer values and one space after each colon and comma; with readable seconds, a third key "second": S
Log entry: {"hour": 1, "minute": 31}
